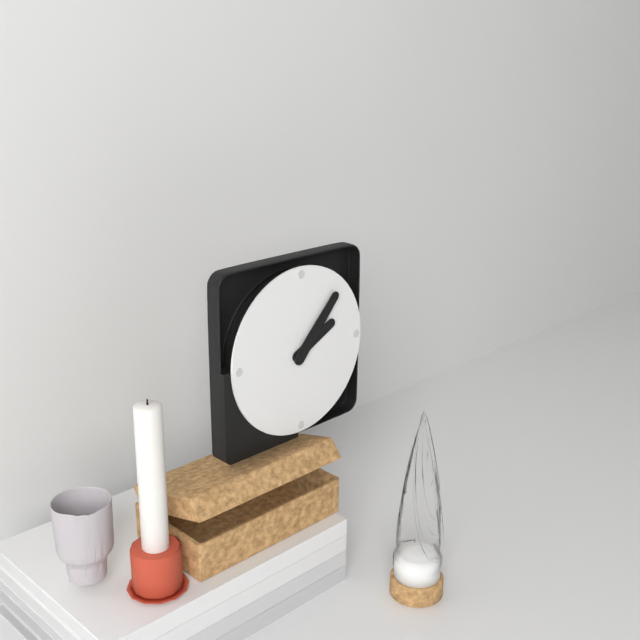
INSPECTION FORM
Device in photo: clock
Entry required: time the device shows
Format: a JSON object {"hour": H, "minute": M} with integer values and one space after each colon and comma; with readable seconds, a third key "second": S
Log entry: {"hour": 2, "minute": 7}
